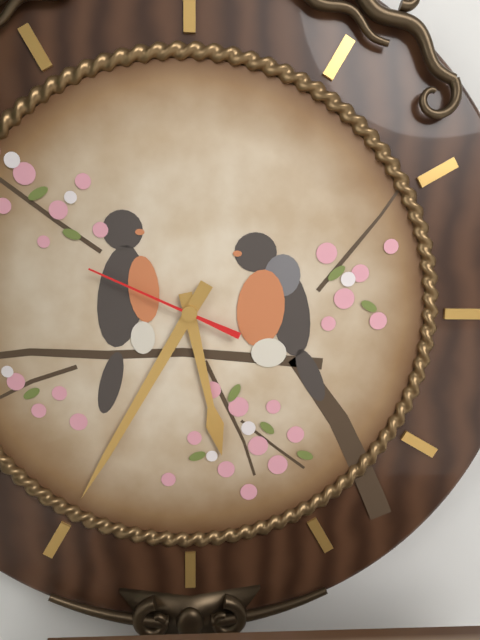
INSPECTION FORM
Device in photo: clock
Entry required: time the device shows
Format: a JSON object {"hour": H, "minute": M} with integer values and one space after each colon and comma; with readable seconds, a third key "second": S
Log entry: {"hour": 5, "minute": 35, "second": 49}
